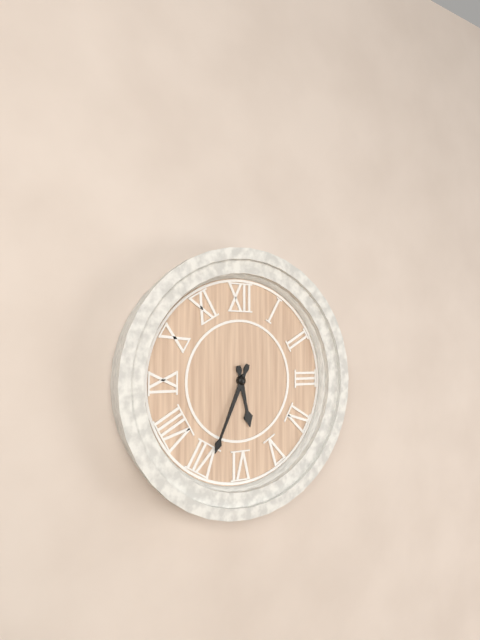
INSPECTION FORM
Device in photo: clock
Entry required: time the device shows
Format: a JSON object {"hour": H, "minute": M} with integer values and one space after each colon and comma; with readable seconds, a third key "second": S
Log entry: {"hour": 5, "minute": 34}
